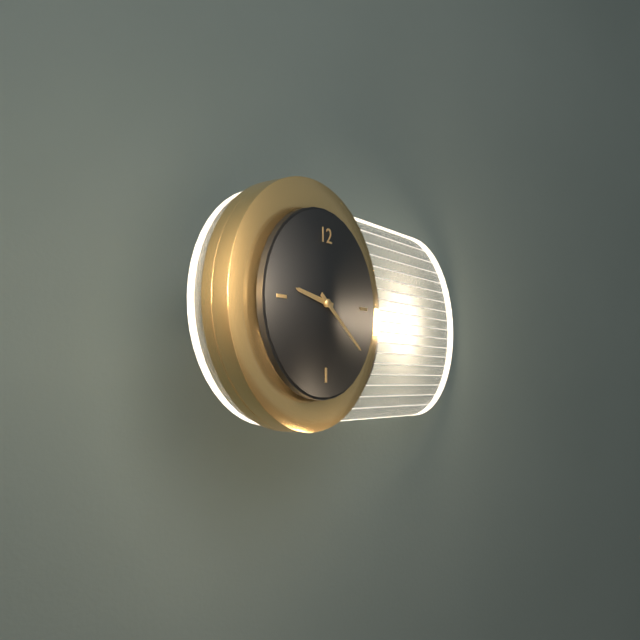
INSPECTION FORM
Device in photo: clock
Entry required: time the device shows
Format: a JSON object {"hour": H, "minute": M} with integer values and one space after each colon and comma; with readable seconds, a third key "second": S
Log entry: {"hour": 9, "minute": 21}
